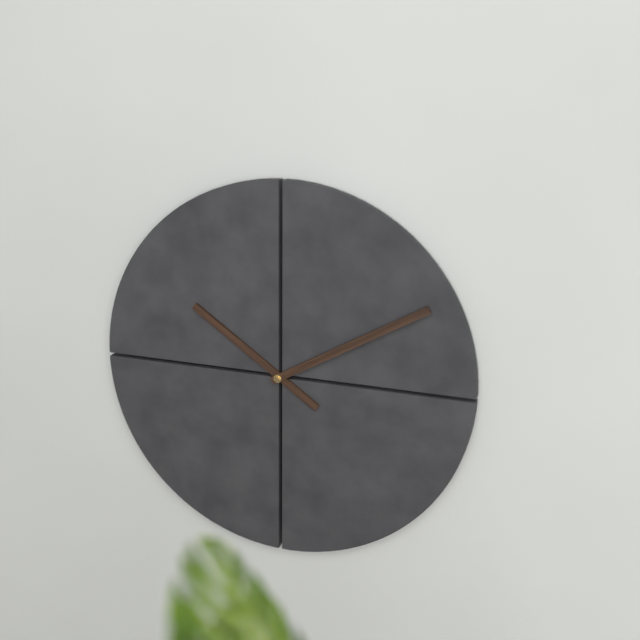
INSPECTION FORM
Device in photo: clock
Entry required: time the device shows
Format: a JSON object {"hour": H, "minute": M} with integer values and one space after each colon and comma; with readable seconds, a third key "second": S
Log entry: {"hour": 10, "minute": 10}
